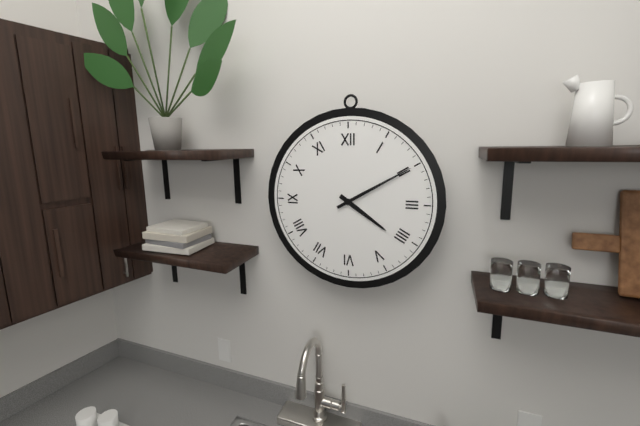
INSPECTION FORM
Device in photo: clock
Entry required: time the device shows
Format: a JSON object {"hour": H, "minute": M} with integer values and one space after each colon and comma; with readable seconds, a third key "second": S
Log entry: {"hour": 4, "minute": 10}
